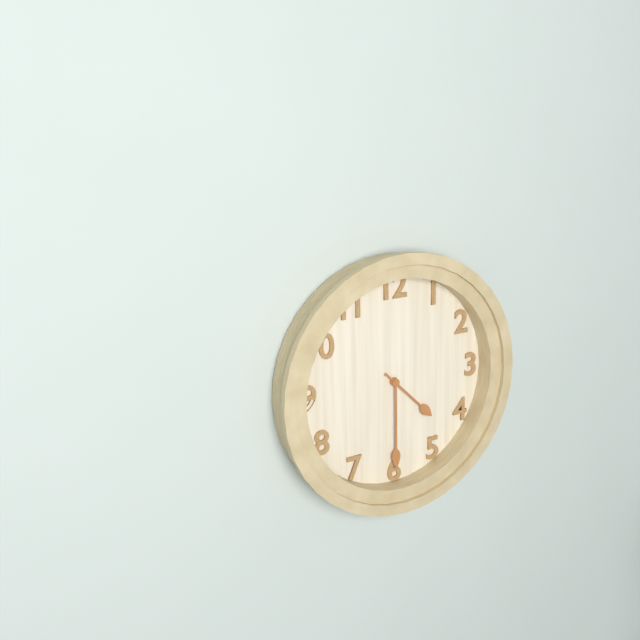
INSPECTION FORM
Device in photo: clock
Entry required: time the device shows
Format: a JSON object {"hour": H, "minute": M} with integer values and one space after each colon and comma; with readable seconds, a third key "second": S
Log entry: {"hour": 4, "minute": 30}
